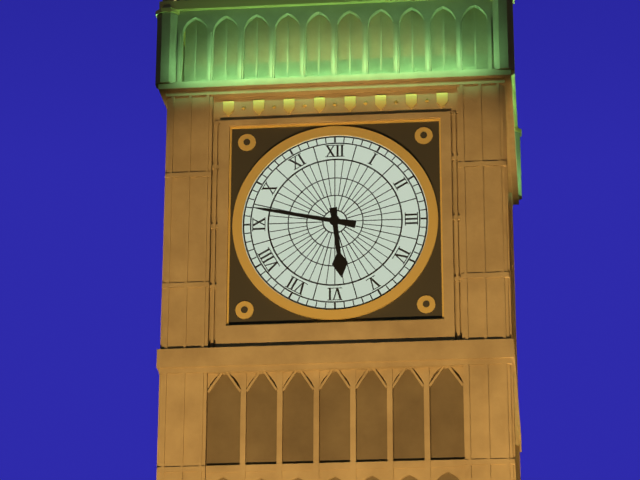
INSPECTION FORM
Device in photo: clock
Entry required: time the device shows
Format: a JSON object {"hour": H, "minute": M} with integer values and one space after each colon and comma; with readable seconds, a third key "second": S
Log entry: {"hour": 5, "minute": 47}
